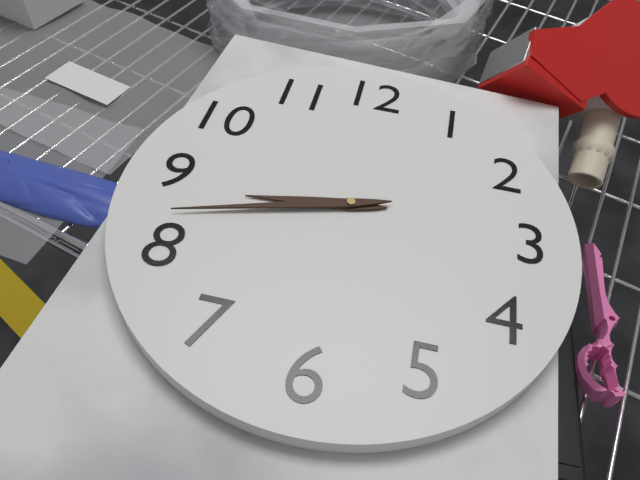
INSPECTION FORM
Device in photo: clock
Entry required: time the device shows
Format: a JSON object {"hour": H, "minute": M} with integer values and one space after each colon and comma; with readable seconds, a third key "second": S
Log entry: {"hour": 8, "minute": 42}
